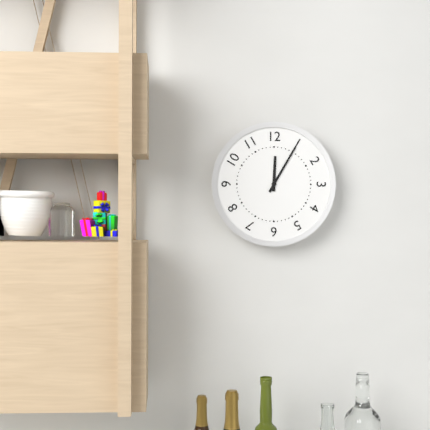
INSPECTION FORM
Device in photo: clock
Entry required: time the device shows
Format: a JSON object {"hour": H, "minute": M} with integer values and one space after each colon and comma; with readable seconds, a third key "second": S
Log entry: {"hour": 12, "minute": 5}
